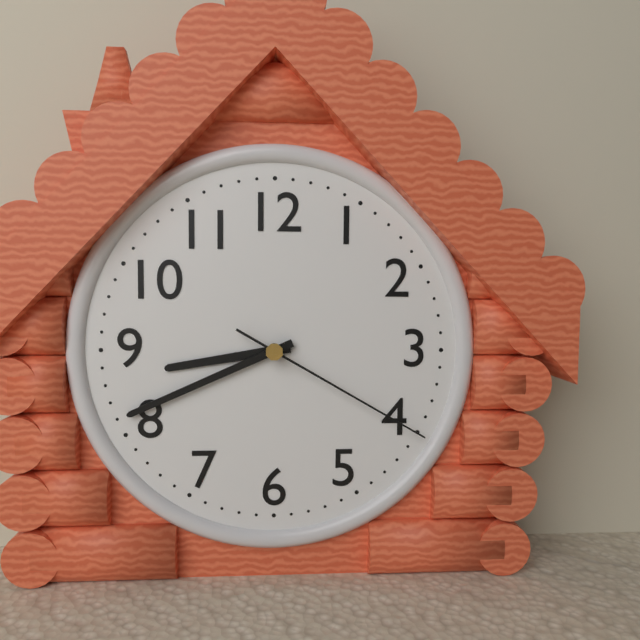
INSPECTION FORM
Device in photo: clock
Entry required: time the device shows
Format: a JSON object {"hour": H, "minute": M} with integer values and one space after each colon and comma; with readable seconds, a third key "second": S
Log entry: {"hour": 8, "minute": 41, "second": 20}
